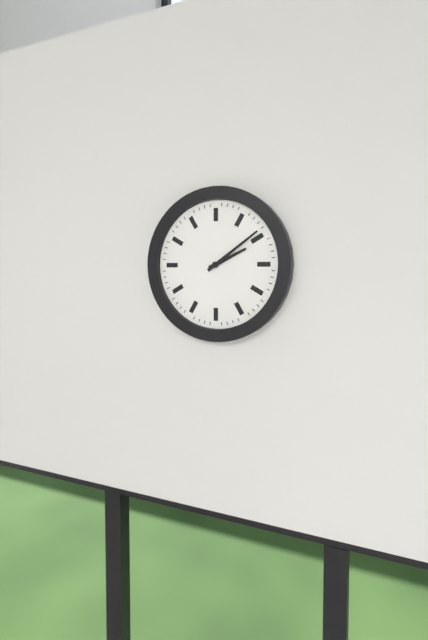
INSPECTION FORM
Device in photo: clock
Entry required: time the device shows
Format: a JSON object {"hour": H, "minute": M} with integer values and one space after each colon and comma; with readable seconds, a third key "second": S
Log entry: {"hour": 2, "minute": 9}
